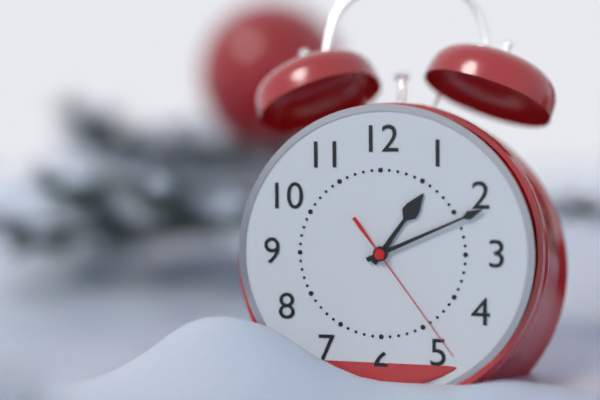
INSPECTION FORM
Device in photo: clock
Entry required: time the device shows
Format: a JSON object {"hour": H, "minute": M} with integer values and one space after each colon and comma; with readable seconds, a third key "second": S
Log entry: {"hour": 1, "minute": 11, "second": 24}
